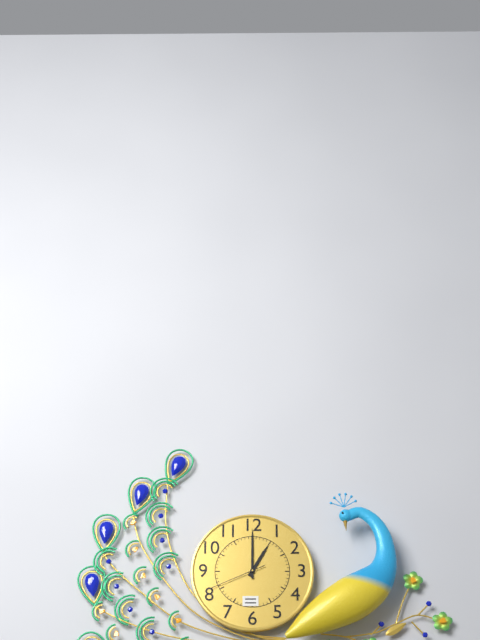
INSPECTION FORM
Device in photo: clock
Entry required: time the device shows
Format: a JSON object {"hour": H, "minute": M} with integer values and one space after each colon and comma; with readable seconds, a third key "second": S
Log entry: {"hour": 1, "minute": 0, "second": 41}
